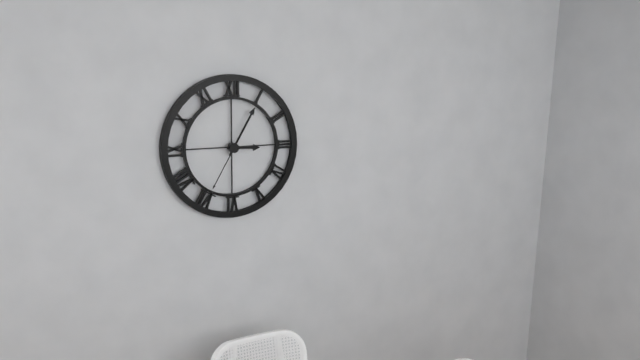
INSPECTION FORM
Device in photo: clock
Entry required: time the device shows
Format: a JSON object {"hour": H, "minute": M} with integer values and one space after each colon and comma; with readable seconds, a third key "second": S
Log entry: {"hour": 3, "minute": 5, "second": 35}
